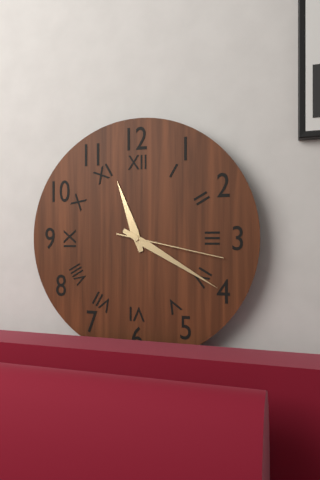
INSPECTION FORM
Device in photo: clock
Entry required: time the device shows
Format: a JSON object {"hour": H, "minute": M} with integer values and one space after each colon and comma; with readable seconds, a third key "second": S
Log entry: {"hour": 11, "minute": 20, "second": 17}
